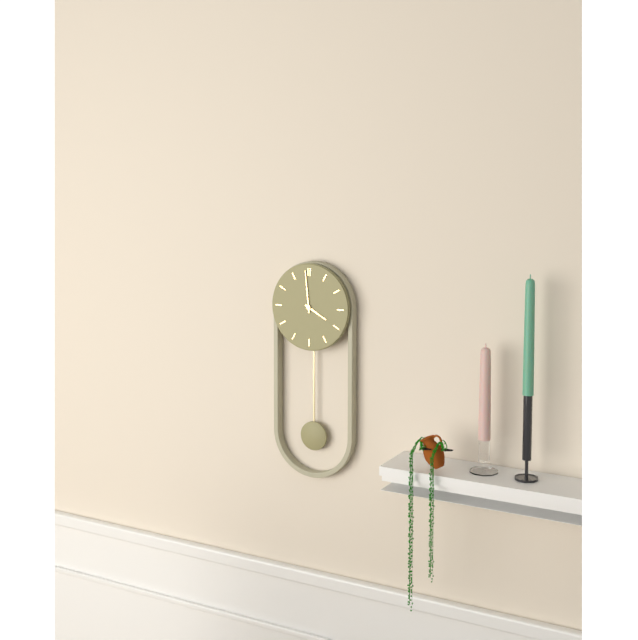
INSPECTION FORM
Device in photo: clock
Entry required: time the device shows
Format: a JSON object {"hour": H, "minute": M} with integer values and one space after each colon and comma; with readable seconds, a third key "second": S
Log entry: {"hour": 3, "minute": 59}
